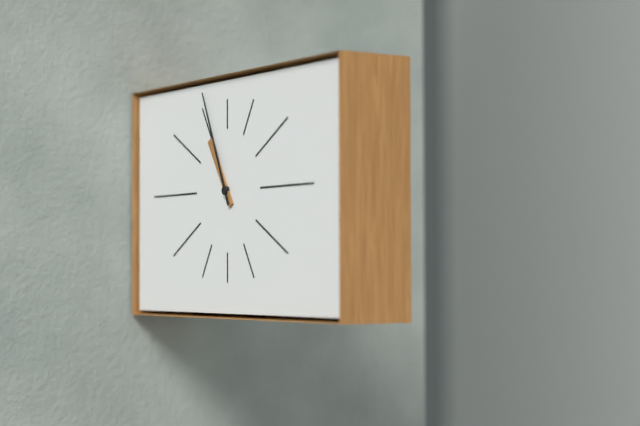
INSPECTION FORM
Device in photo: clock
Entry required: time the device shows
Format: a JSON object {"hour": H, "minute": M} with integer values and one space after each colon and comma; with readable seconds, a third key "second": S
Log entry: {"hour": 10, "minute": 56}
